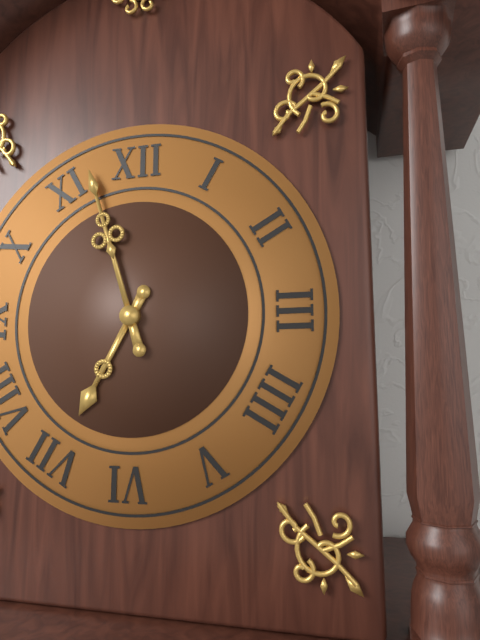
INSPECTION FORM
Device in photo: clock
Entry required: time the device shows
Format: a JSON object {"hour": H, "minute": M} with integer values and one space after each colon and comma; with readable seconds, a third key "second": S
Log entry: {"hour": 6, "minute": 57}
